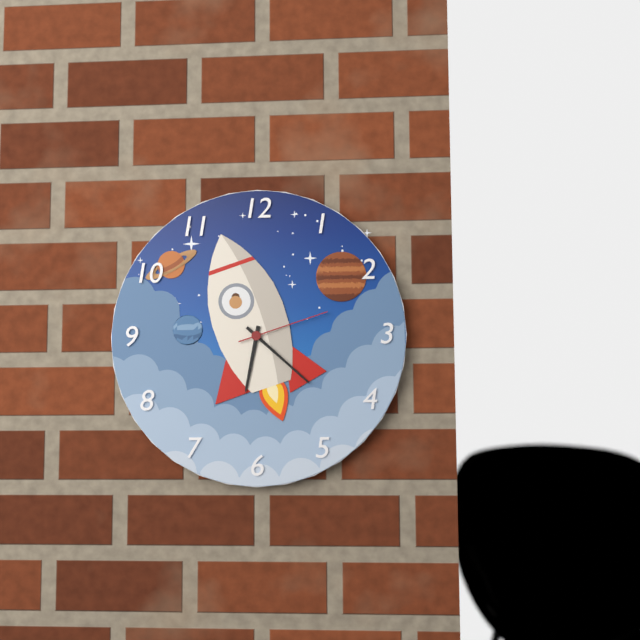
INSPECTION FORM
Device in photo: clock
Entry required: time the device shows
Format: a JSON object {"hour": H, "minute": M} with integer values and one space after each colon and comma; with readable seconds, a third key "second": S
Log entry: {"hour": 6, "minute": 22, "second": 12}
